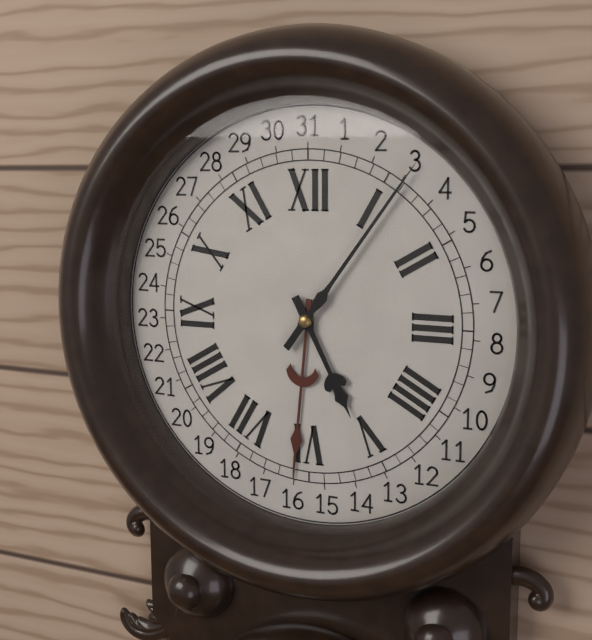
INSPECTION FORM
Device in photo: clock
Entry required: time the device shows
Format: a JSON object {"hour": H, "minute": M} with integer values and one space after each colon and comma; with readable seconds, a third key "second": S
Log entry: {"hour": 5, "minute": 6}
